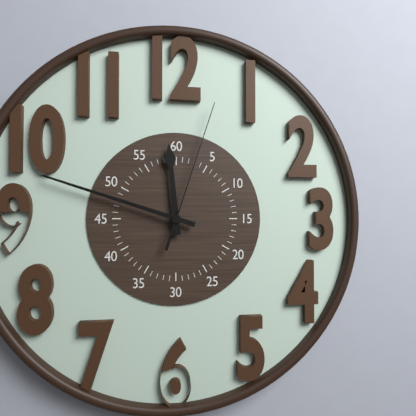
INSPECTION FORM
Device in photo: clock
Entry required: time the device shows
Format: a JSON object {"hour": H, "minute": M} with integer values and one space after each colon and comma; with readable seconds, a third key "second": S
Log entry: {"hour": 11, "minute": 48, "second": 3}
